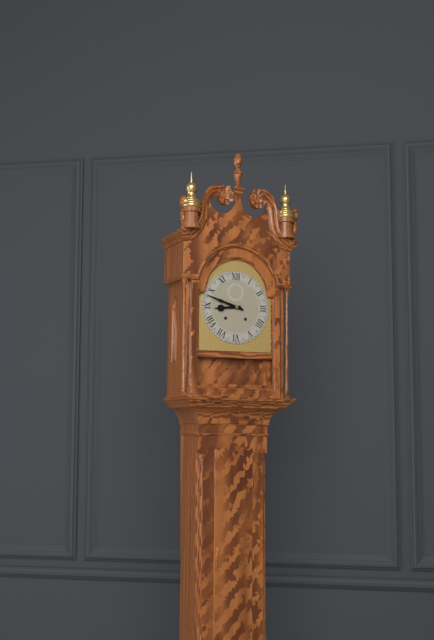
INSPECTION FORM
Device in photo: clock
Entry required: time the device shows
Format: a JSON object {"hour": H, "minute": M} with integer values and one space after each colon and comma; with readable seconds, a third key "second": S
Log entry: {"hour": 8, "minute": 48}
